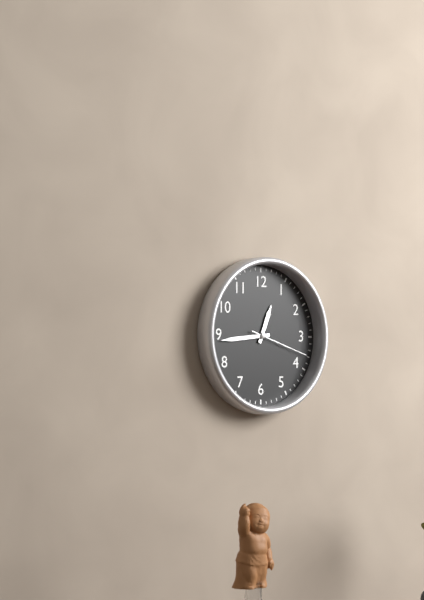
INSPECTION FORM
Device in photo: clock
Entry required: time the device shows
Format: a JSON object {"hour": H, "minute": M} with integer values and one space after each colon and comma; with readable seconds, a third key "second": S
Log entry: {"hour": 12, "minute": 44, "second": 18}
